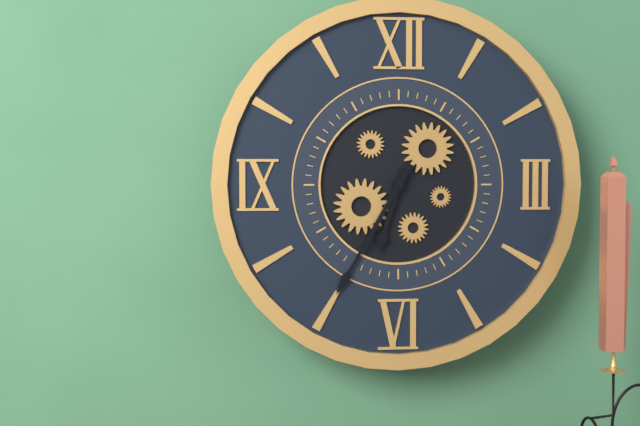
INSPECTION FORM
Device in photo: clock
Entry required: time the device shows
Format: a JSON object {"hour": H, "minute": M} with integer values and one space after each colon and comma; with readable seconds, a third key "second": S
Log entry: {"hour": 6, "minute": 35}
